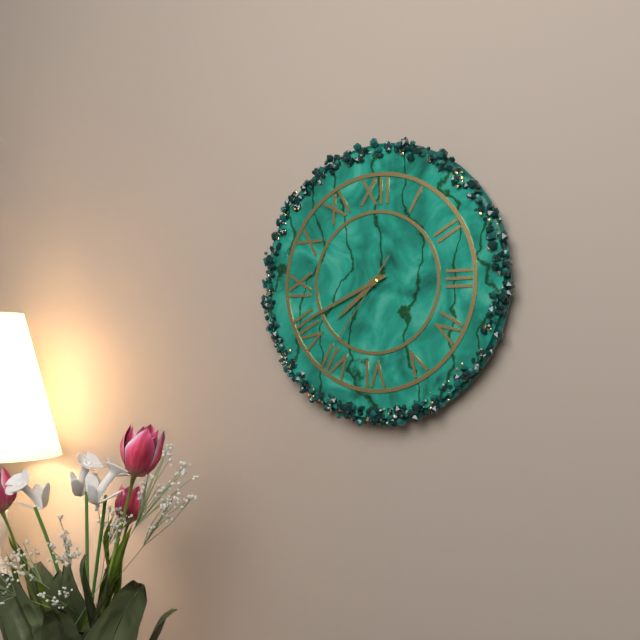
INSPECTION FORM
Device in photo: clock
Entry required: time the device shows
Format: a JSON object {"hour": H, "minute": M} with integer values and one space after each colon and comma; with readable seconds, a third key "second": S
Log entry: {"hour": 7, "minute": 41, "second": 36}
